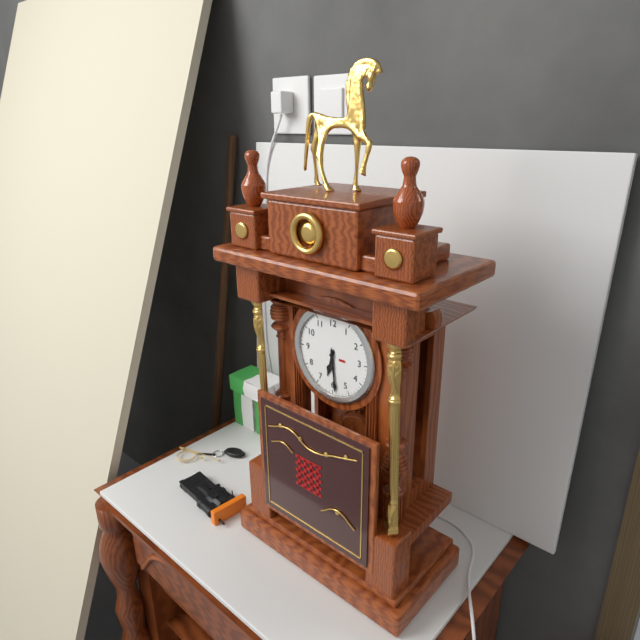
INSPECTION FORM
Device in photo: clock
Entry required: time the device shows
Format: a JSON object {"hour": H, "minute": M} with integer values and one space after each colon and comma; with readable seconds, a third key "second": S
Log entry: {"hour": 6, "minute": 29}
